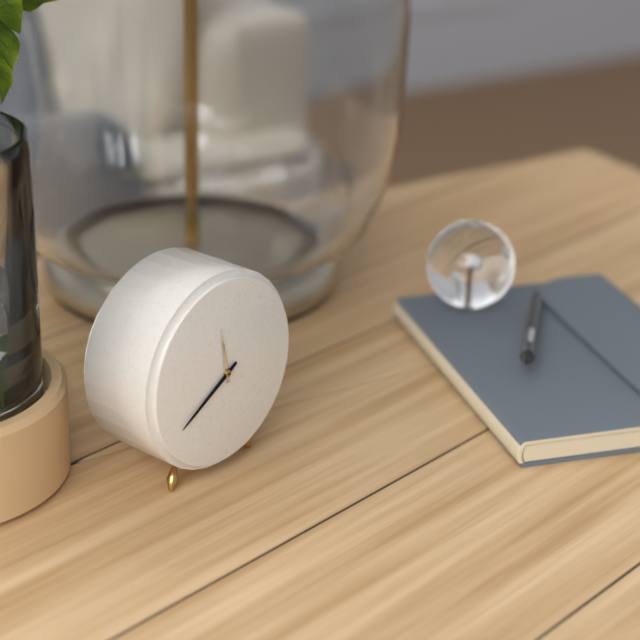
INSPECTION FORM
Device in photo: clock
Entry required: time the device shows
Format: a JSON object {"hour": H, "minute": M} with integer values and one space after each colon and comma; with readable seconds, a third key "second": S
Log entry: {"hour": 11, "minute": 40}
